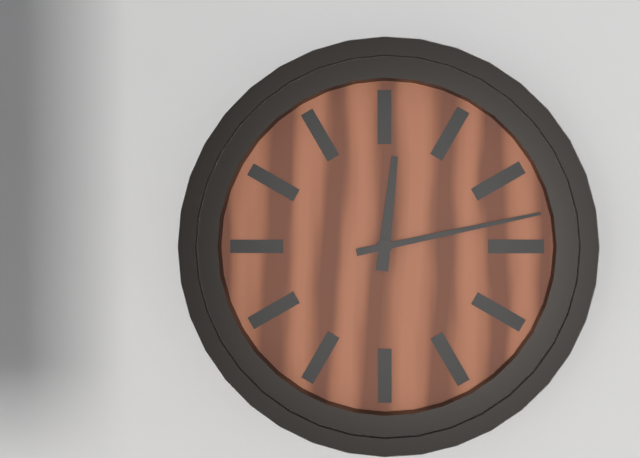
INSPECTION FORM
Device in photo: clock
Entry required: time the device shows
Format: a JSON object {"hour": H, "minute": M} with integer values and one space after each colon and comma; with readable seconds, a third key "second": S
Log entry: {"hour": 12, "minute": 13}
